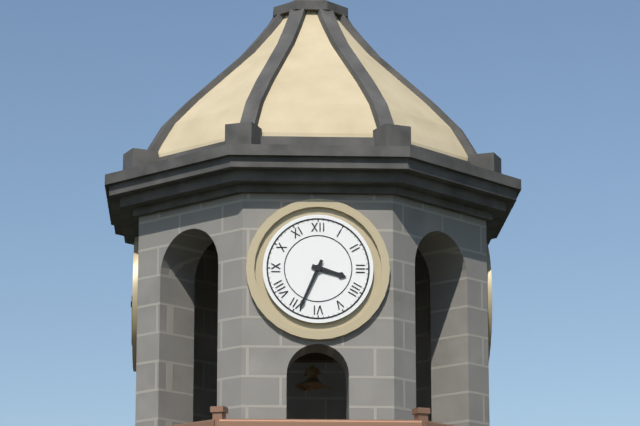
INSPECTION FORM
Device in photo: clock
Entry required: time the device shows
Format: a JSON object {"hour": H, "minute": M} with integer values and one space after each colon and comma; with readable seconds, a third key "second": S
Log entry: {"hour": 3, "minute": 34}
